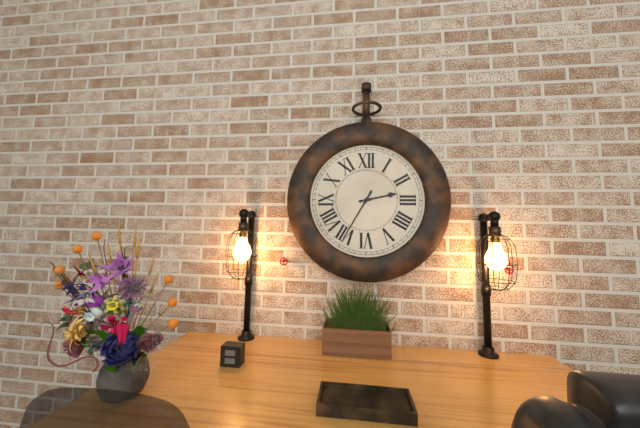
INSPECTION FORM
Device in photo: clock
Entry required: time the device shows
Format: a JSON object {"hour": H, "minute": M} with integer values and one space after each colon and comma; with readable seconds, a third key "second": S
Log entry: {"hour": 2, "minute": 35}
